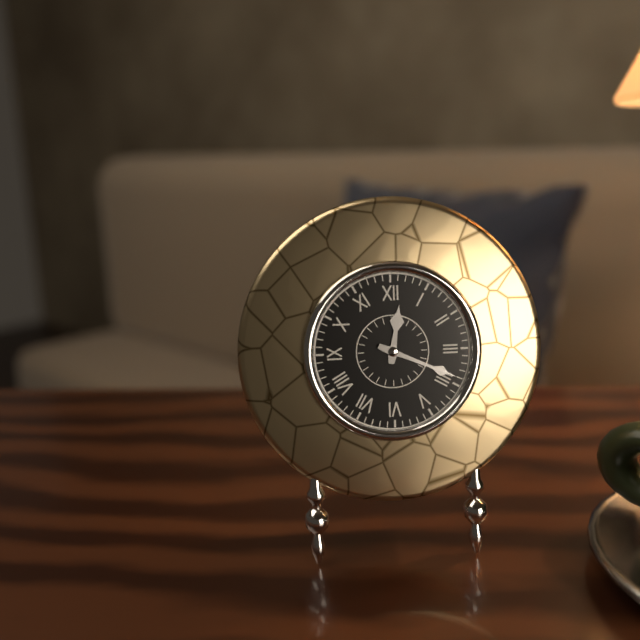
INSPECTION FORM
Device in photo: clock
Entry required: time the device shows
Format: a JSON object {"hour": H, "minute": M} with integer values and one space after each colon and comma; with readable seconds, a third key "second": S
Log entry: {"hour": 12, "minute": 19}
